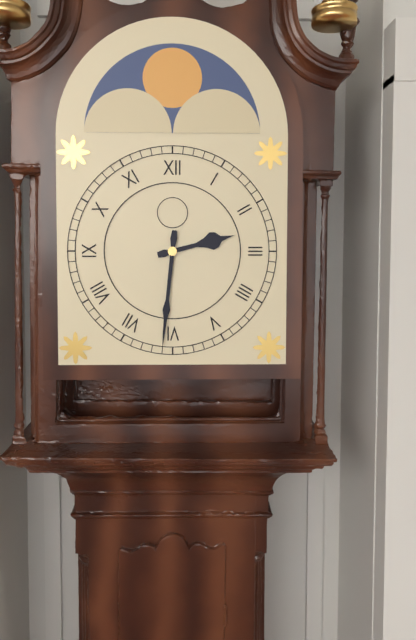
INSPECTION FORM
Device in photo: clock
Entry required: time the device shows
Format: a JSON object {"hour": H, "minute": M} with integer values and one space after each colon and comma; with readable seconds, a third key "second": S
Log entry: {"hour": 2, "minute": 31}
